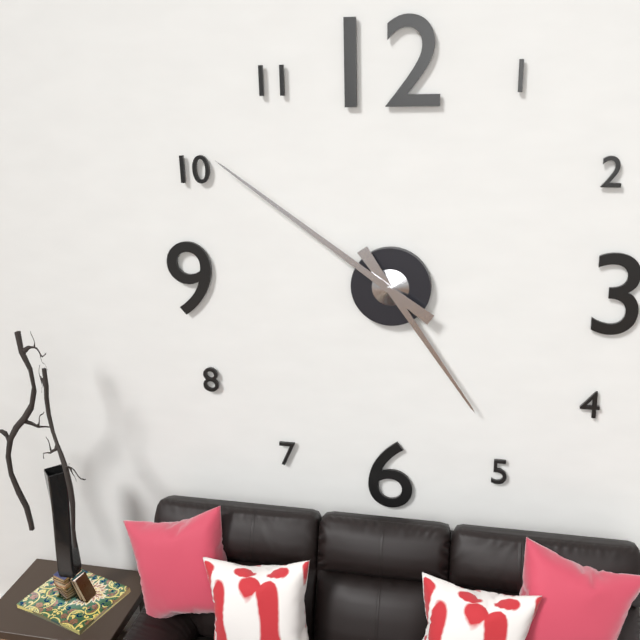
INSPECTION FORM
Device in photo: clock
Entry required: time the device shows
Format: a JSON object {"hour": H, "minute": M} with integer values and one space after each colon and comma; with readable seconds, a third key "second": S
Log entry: {"hour": 4, "minute": 51}
